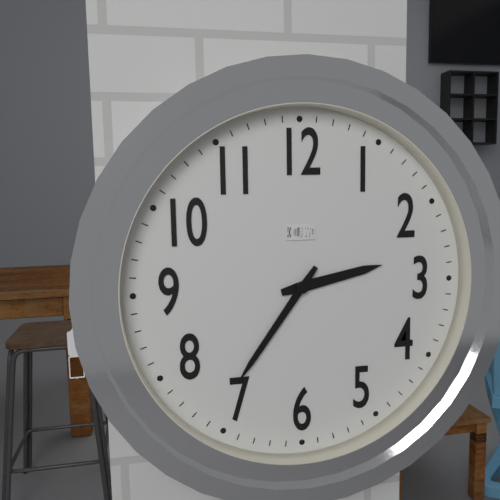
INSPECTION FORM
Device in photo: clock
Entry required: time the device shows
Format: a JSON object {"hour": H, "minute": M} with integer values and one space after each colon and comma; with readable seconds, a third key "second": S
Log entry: {"hour": 2, "minute": 36}
